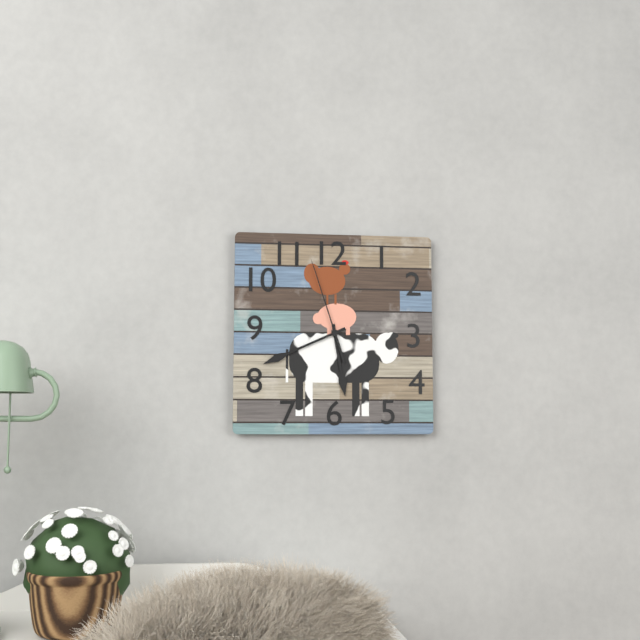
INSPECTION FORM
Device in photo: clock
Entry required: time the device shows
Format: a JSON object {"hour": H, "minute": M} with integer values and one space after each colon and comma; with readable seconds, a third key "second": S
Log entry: {"hour": 5, "minute": 41, "second": 57}
